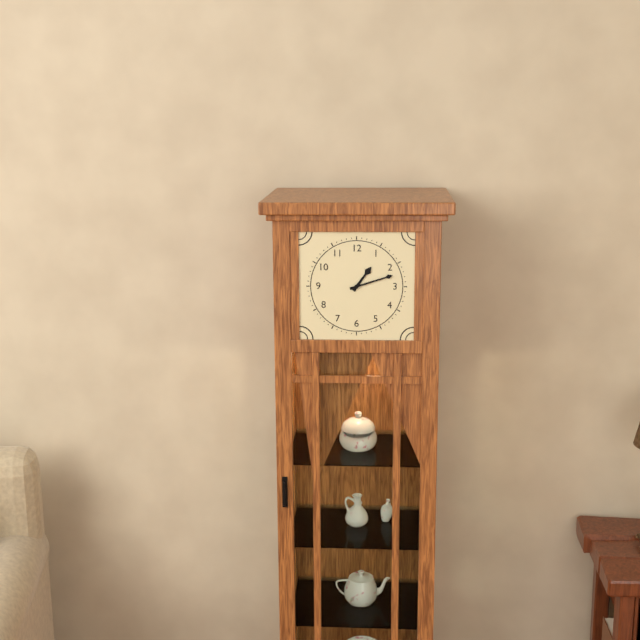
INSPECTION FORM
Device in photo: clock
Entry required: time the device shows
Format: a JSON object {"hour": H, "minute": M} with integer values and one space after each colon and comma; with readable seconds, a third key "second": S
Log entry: {"hour": 1, "minute": 12}
